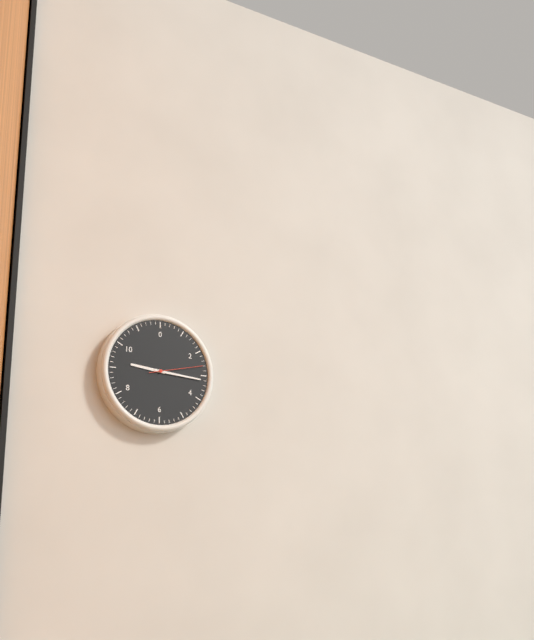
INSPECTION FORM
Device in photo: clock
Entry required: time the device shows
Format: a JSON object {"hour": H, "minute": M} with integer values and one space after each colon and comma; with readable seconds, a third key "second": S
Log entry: {"hour": 9, "minute": 16, "second": 13}
